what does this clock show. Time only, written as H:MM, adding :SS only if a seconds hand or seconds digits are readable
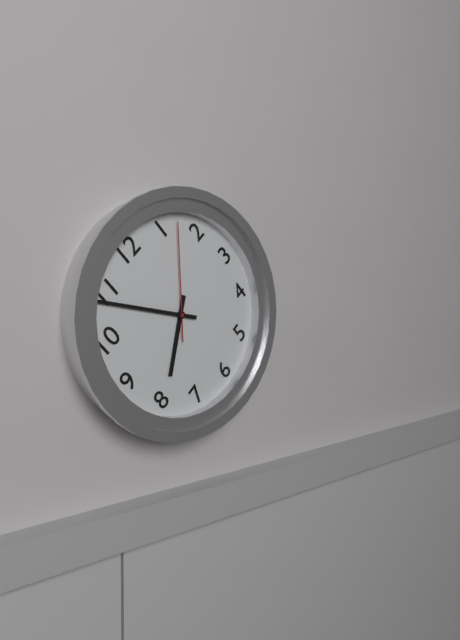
7:54:07
